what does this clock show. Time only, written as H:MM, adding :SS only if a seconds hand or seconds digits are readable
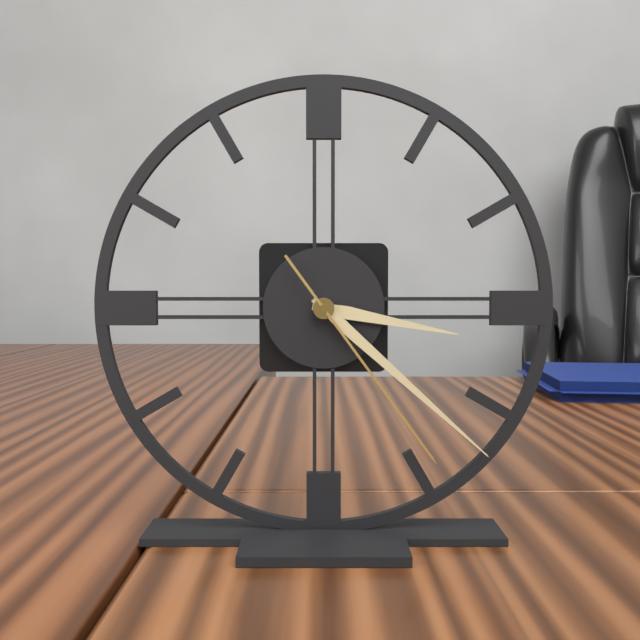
3:22:24
